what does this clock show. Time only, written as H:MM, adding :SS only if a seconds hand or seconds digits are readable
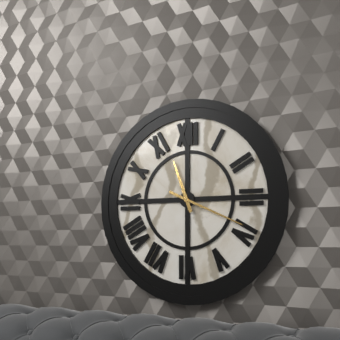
11:19
